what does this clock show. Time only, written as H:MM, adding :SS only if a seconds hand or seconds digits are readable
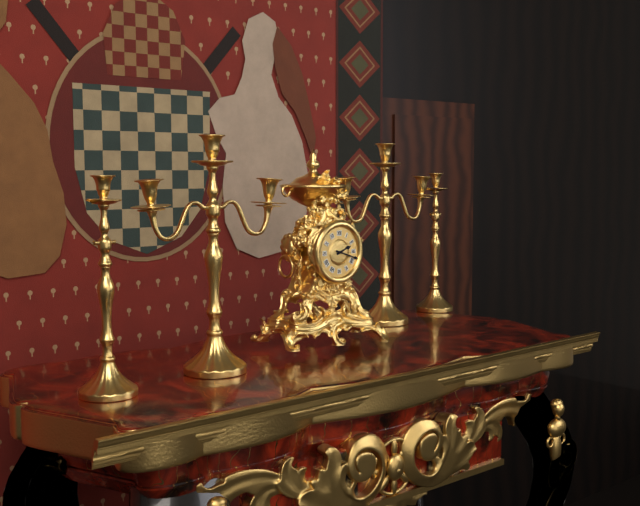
2:18
